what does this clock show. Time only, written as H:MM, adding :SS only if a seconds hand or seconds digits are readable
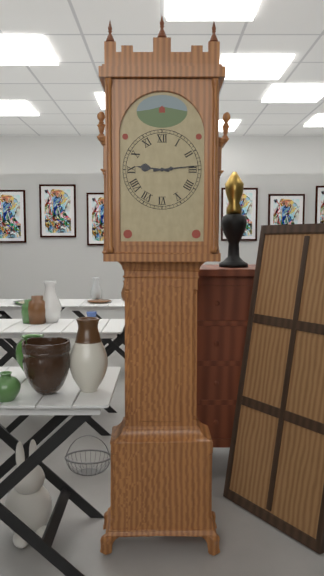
9:14
